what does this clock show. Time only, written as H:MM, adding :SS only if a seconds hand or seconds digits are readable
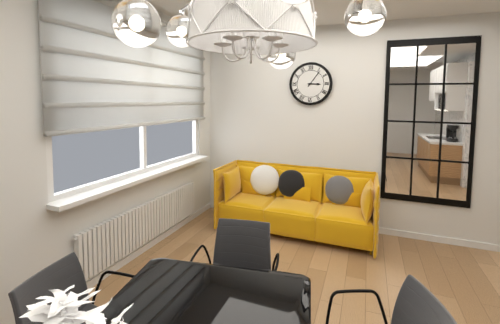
3:06
